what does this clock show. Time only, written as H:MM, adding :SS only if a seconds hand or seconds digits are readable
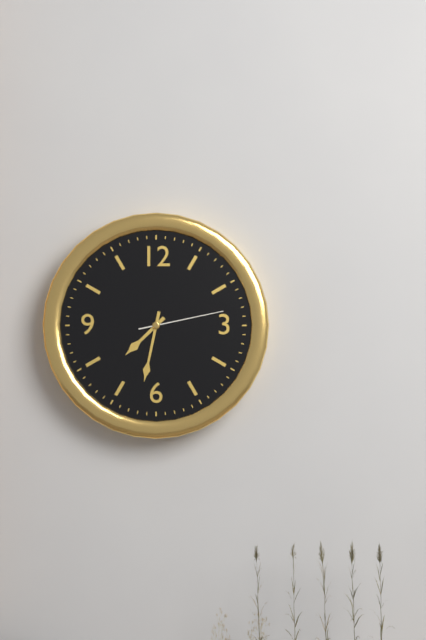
7:32:13
